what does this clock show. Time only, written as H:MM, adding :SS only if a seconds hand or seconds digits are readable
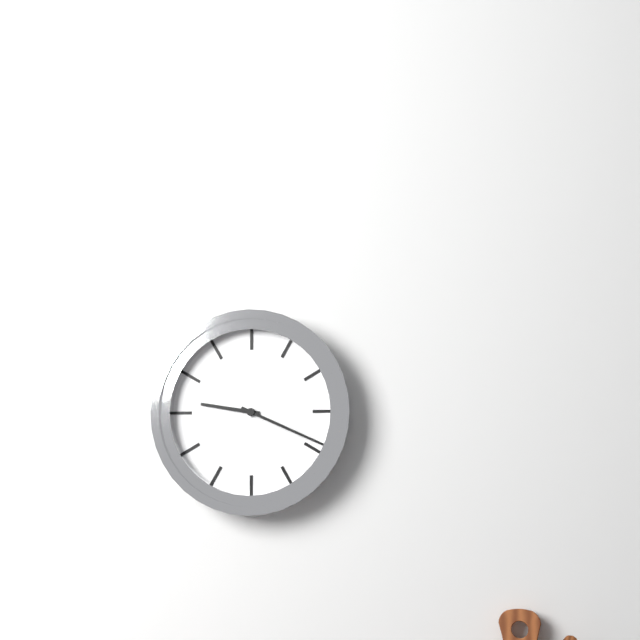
9:19
